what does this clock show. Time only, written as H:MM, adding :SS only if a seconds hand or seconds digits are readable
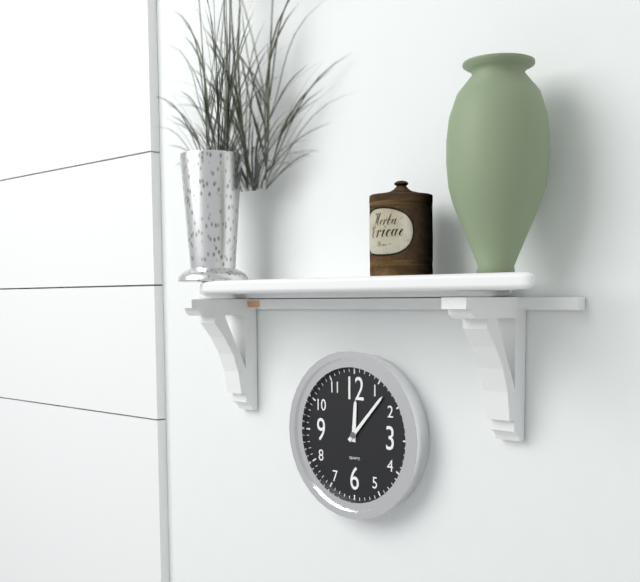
12:07
